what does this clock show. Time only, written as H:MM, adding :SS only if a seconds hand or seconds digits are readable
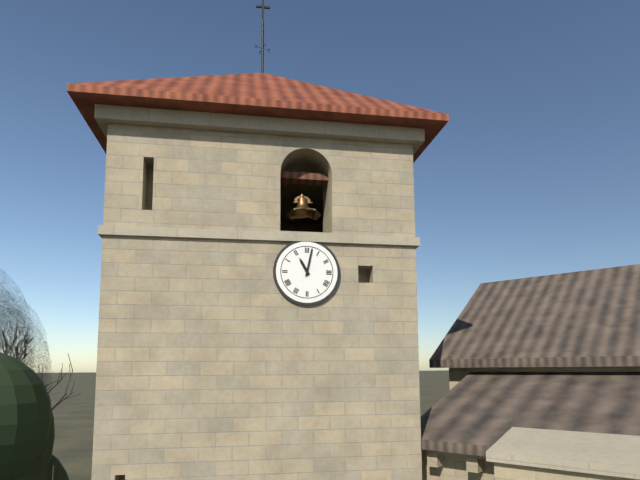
11:02
